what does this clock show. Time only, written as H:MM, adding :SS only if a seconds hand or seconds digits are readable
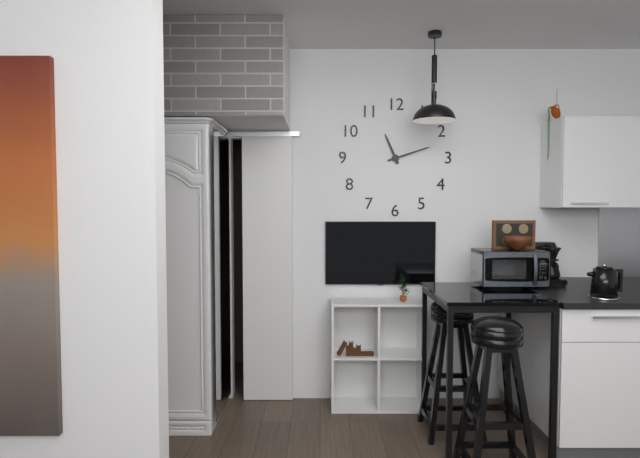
11:12
